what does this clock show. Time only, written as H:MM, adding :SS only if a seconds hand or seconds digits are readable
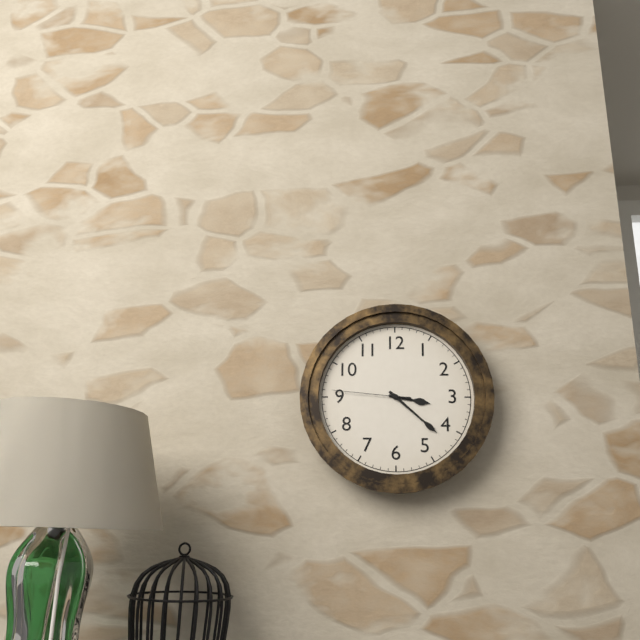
3:22:46
